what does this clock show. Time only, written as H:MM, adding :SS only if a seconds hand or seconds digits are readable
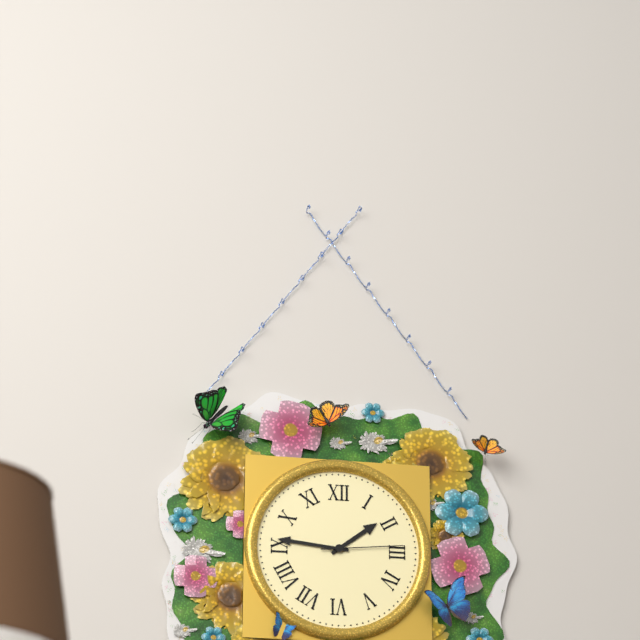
1:46:14
